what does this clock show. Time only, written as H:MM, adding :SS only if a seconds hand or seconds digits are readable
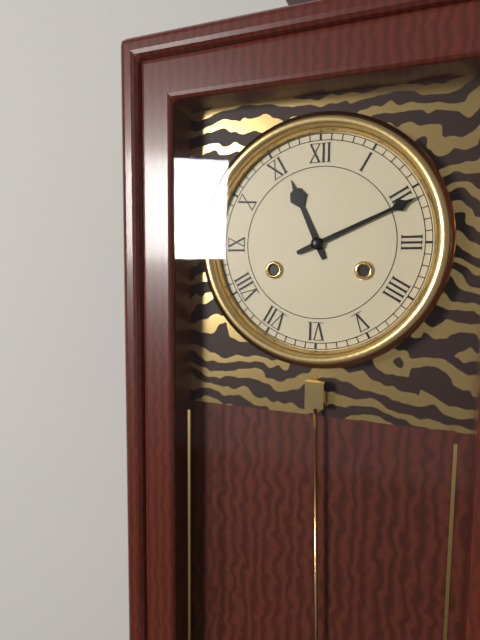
11:11
